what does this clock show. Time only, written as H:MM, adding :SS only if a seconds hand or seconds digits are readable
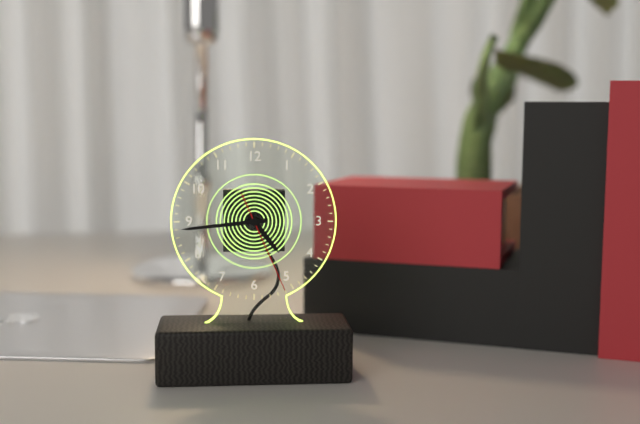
4:44:26
